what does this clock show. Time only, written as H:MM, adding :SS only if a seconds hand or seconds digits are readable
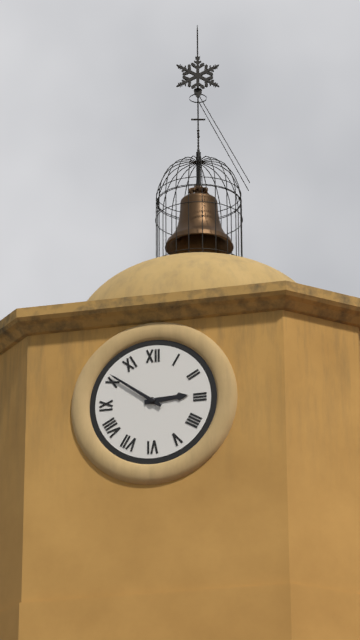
2:51
